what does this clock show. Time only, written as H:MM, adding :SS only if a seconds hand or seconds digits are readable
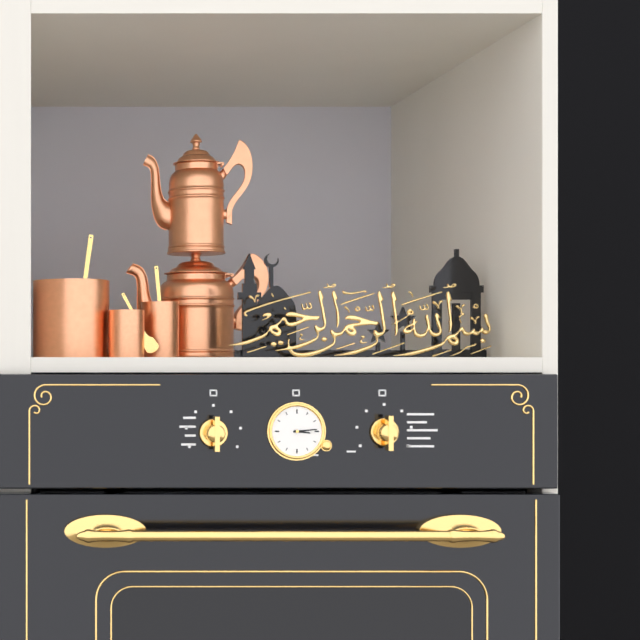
3:14
